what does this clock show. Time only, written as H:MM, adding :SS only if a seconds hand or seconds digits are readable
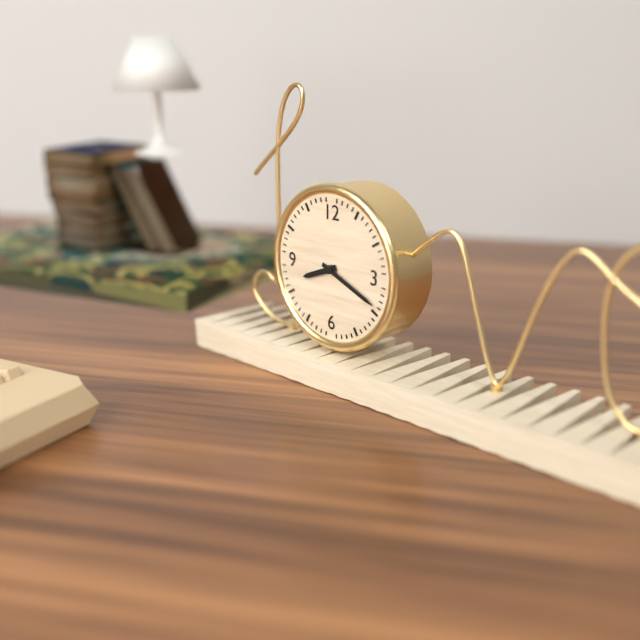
8:19
